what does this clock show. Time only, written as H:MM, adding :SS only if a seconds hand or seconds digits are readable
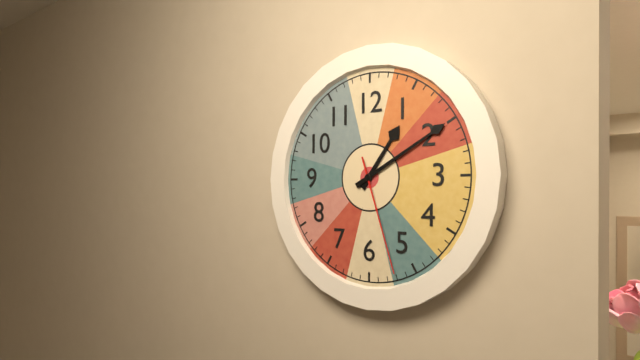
1:10:27
